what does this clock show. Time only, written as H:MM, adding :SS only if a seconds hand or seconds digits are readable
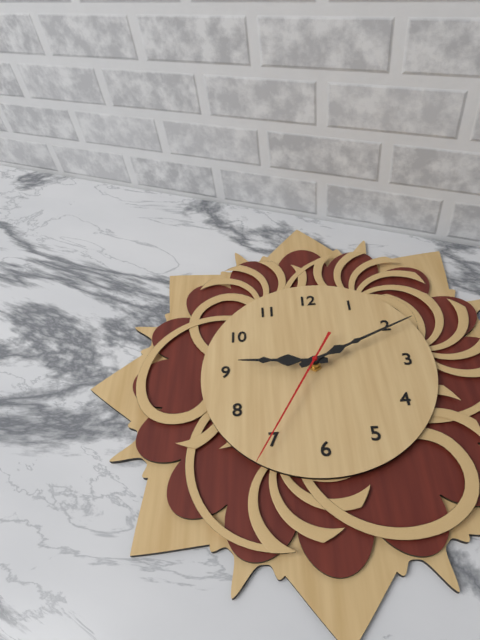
9:11:35
